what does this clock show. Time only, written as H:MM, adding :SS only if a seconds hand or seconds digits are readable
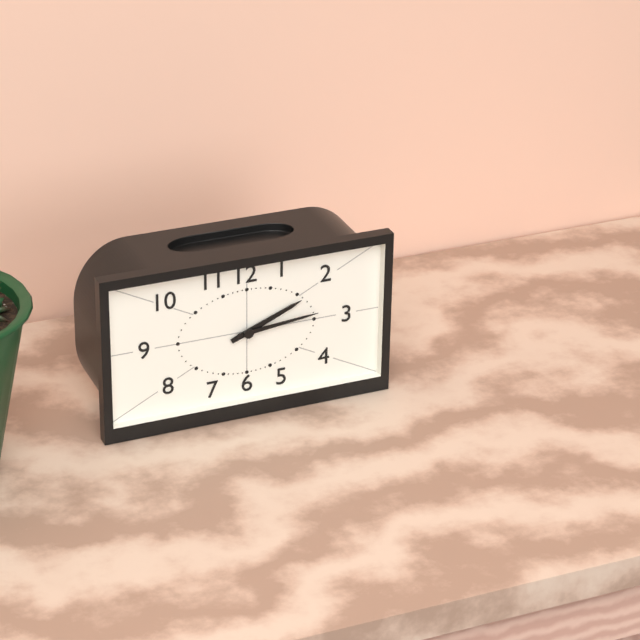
2:14
